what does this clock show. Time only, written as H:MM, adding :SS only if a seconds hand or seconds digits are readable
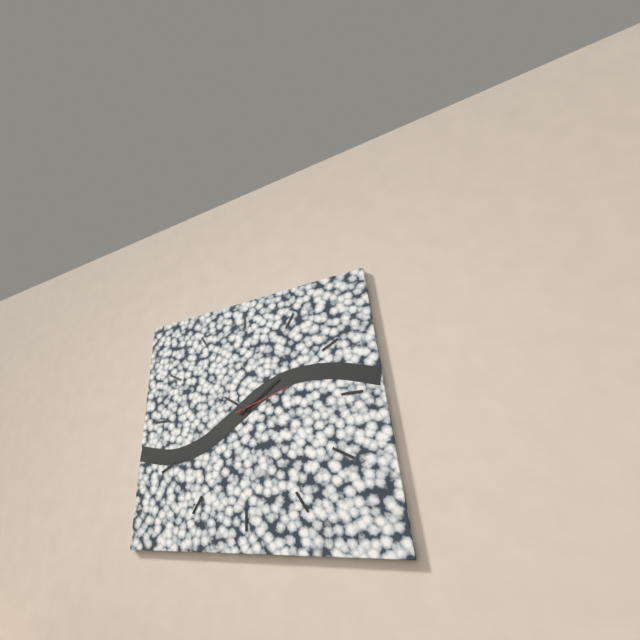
10:09:12
